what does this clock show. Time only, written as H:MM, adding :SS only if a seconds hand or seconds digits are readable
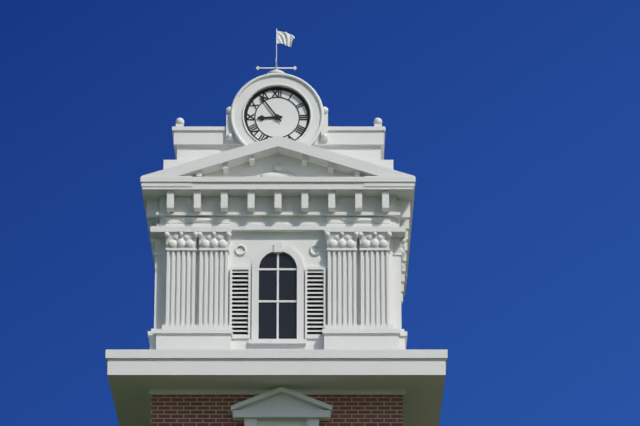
8:54
